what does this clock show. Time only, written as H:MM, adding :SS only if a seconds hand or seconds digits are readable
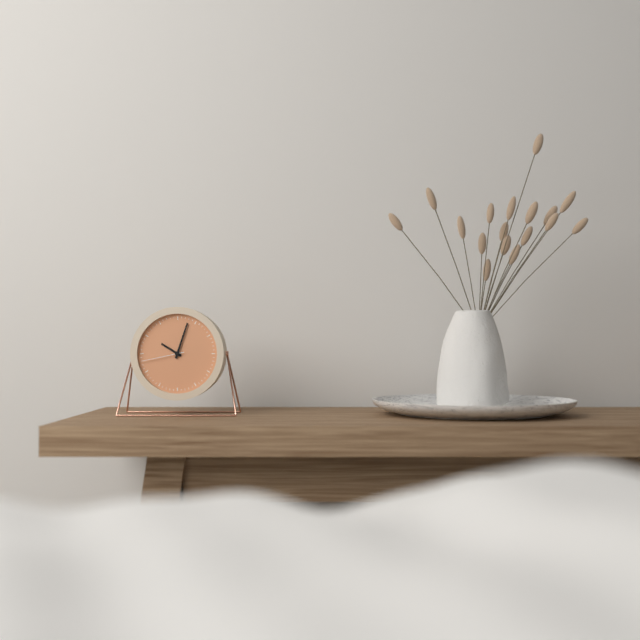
10:03
